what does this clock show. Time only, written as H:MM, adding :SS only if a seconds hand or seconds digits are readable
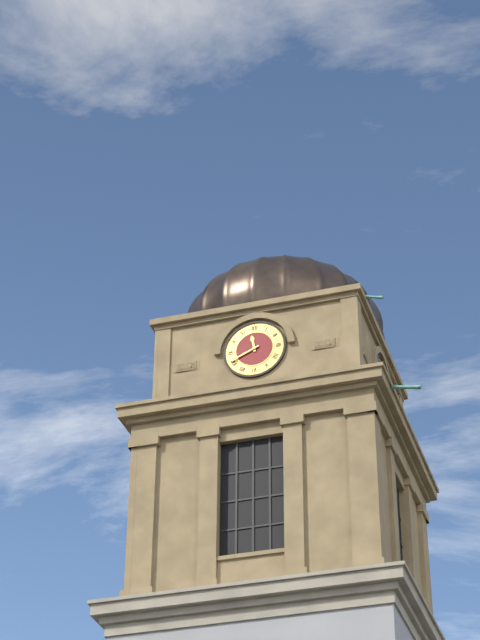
11:41
